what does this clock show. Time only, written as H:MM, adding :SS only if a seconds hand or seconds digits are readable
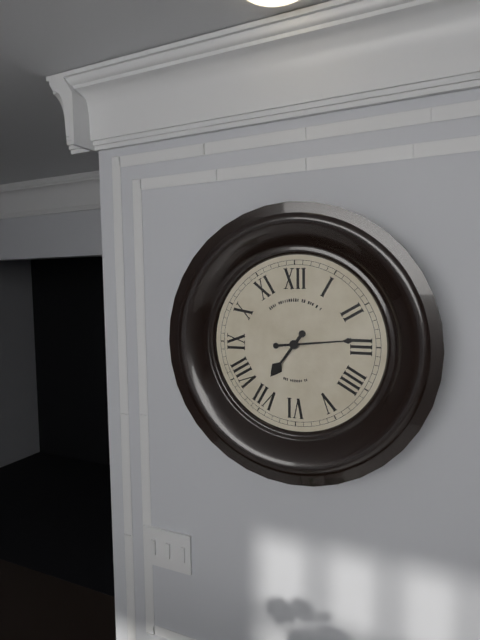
7:14
